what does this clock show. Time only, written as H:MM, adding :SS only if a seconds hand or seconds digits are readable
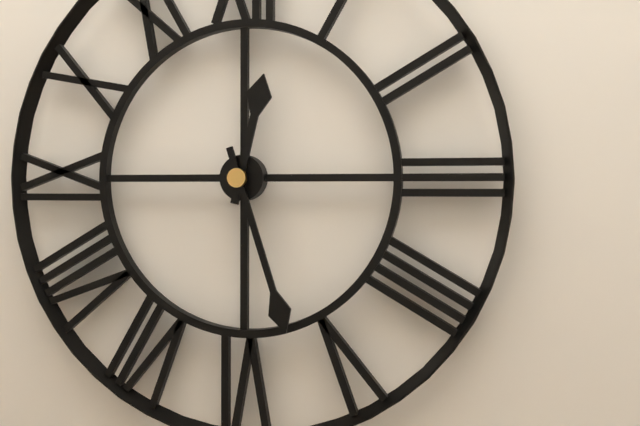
12:27
